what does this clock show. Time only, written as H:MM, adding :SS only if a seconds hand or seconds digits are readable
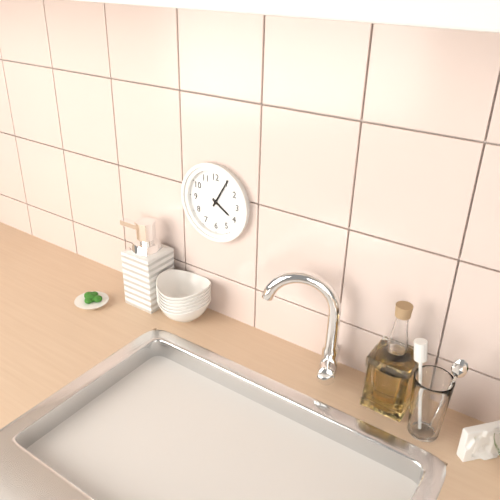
4:05
